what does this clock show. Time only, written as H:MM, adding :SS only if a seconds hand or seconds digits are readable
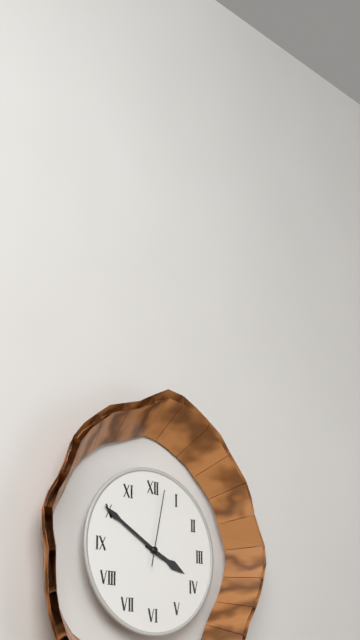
3:50:02
